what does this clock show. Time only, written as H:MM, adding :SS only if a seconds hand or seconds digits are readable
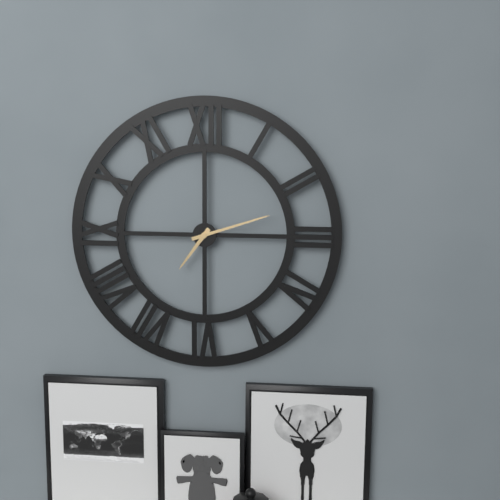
7:12
